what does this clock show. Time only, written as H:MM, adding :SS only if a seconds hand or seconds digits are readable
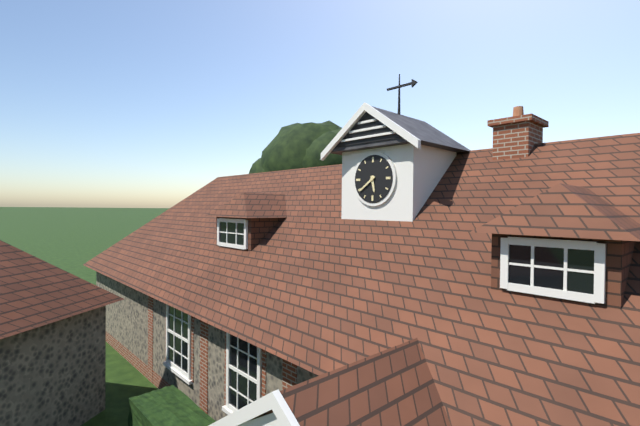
5:39
